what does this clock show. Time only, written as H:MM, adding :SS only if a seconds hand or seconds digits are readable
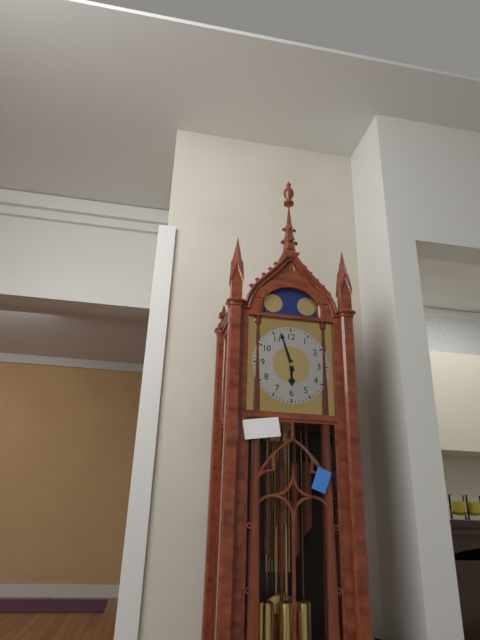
5:57
